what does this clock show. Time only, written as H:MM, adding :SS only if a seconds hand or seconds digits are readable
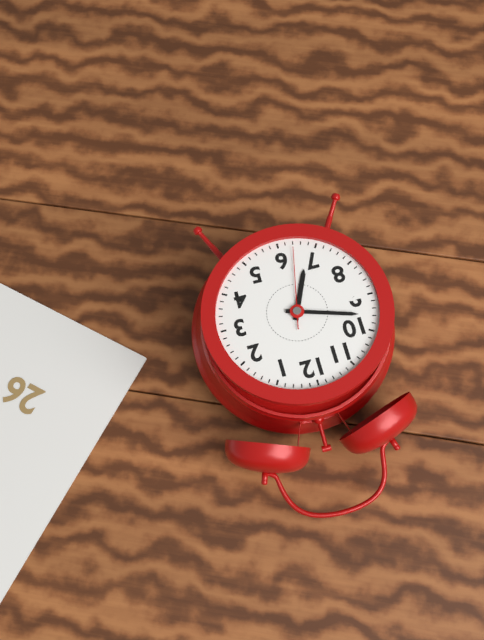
6:48:32
